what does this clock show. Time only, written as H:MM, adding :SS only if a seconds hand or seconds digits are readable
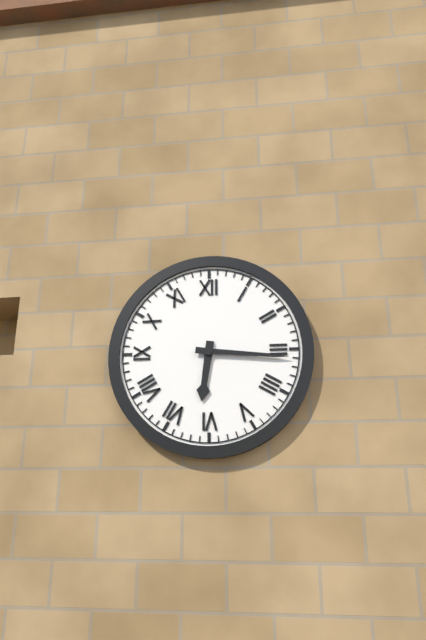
6:16
